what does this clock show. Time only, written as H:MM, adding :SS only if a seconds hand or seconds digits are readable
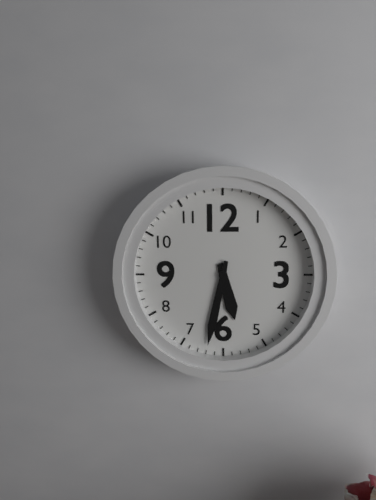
5:32
